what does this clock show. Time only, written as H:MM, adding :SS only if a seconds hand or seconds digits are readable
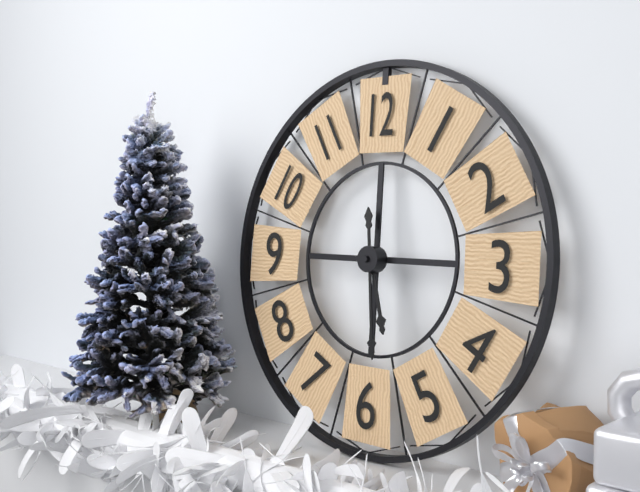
5:29
